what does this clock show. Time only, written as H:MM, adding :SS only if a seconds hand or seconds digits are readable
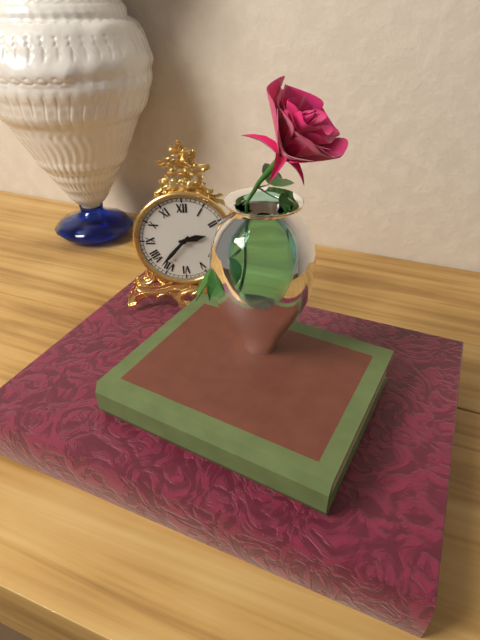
2:37
